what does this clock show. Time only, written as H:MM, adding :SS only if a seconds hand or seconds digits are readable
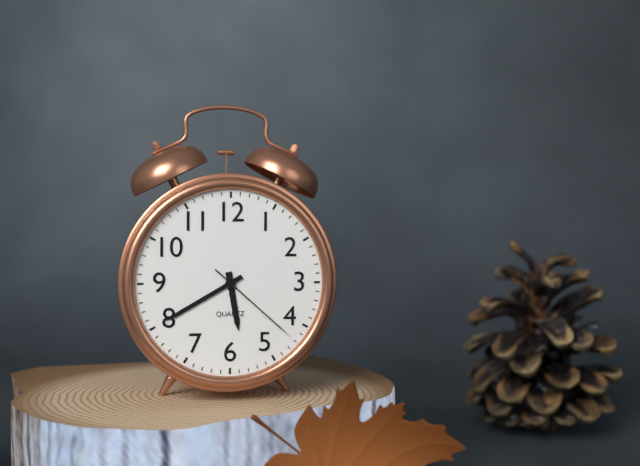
5:40:22
